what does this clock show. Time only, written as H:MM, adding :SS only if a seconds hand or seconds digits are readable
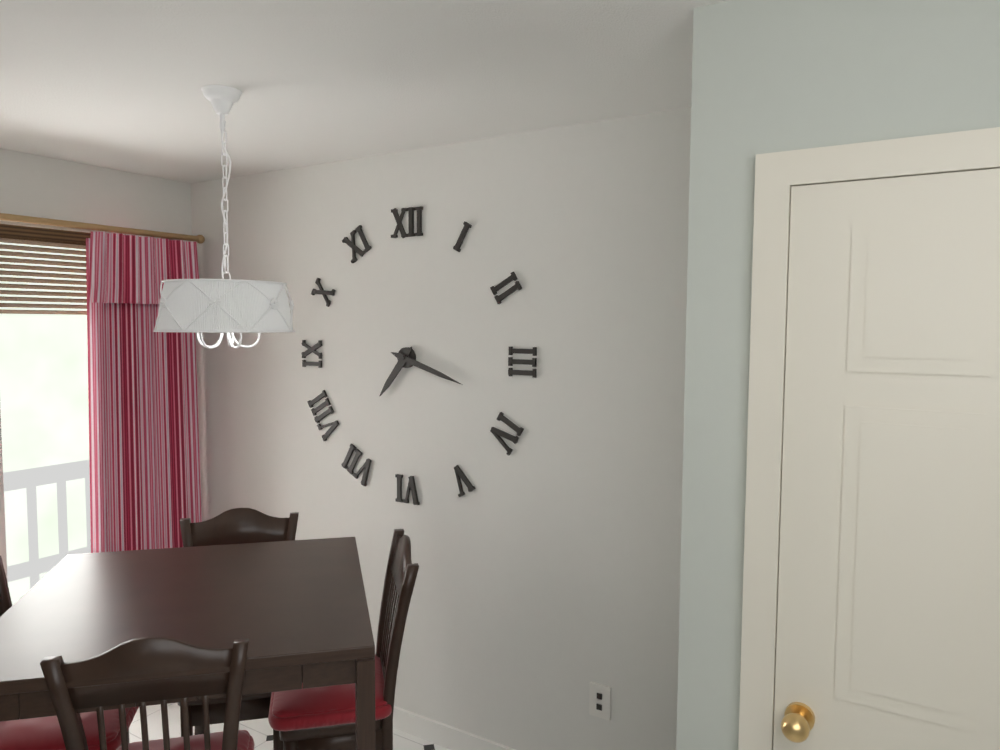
7:18
